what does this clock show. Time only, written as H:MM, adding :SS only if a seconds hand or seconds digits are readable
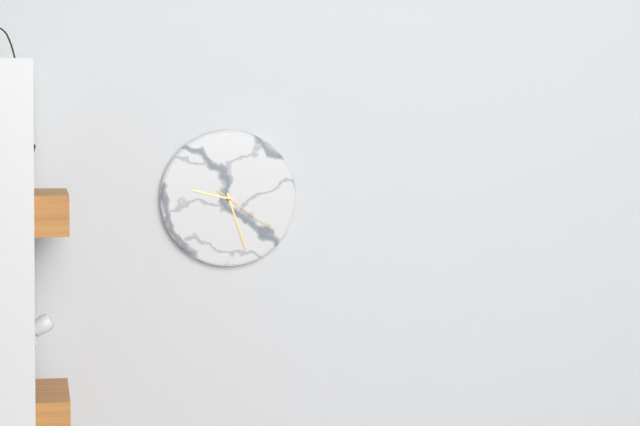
9:27:21
